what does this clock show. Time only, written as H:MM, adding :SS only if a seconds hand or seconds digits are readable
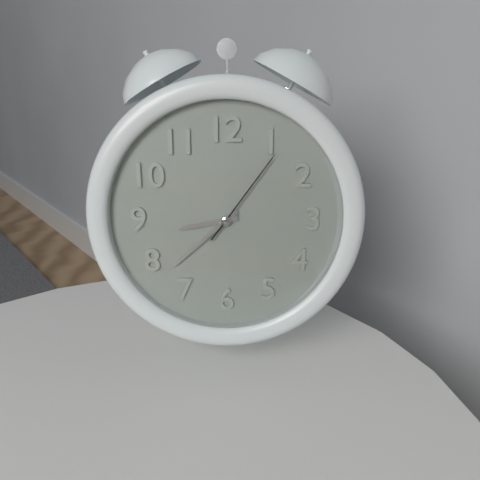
8:38:06
